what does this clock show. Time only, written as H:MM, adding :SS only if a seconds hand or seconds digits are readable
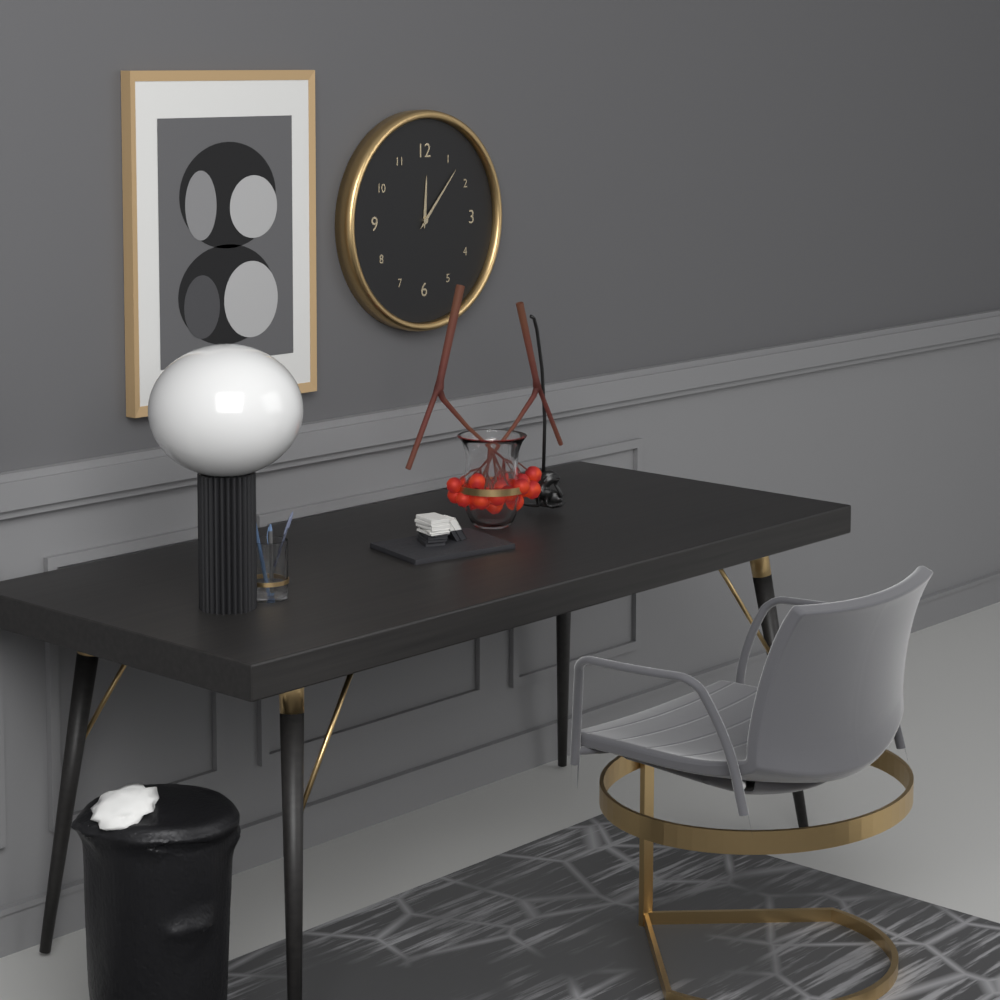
12:07
